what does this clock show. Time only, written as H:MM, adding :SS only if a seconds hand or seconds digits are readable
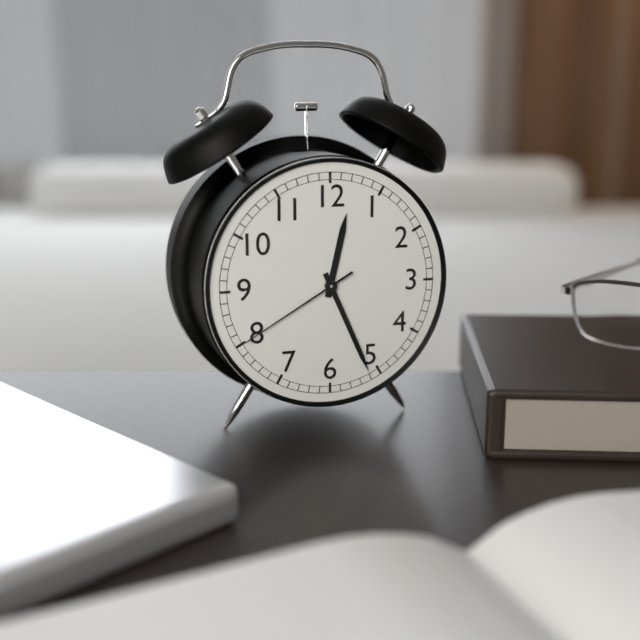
12:26:40
